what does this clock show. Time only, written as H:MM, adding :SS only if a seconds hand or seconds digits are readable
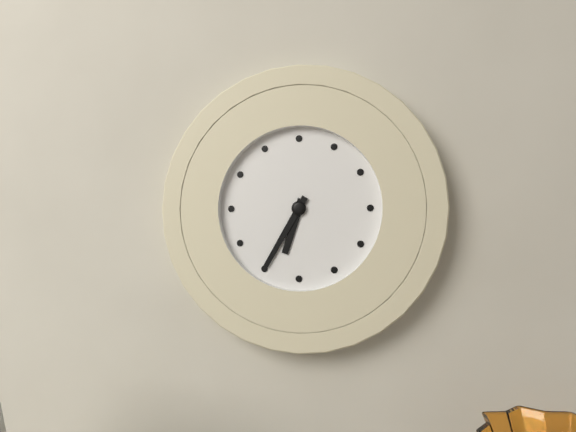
6:35
